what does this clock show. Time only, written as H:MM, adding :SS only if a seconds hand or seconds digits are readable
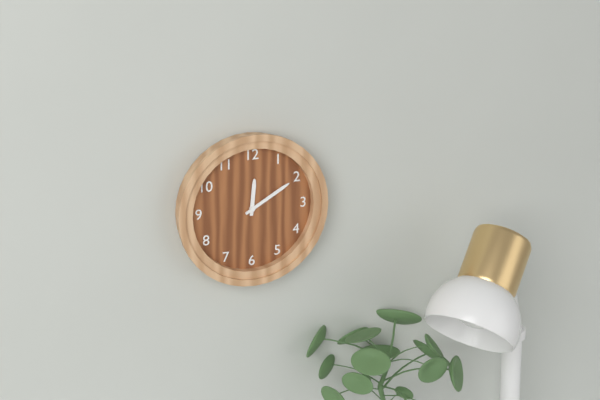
12:10
